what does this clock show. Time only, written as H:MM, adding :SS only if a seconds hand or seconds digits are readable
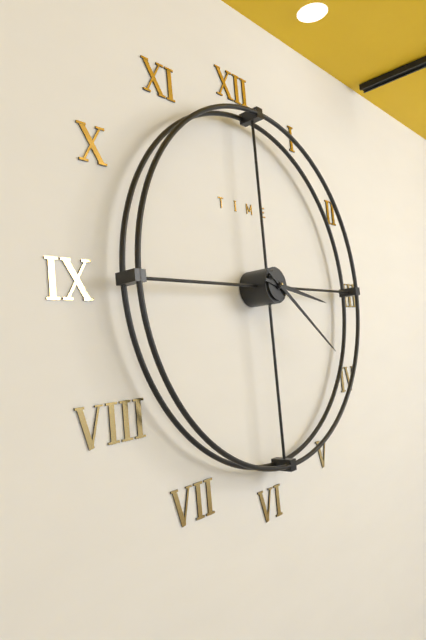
3:21
